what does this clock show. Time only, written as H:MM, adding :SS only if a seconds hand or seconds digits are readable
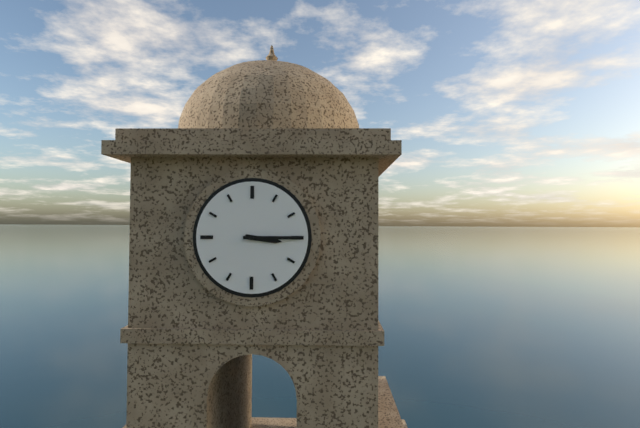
3:15
